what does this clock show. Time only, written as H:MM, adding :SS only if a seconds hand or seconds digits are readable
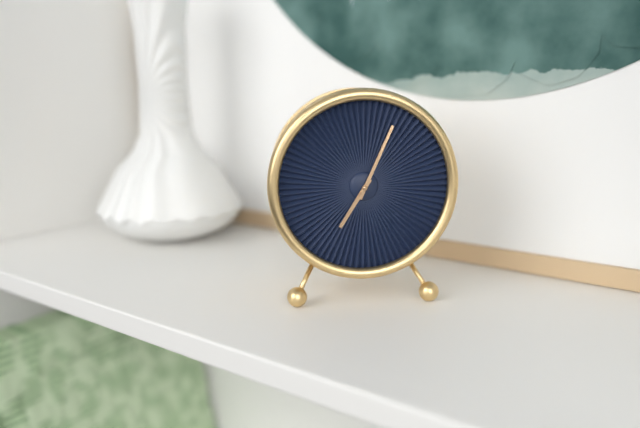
7:04
